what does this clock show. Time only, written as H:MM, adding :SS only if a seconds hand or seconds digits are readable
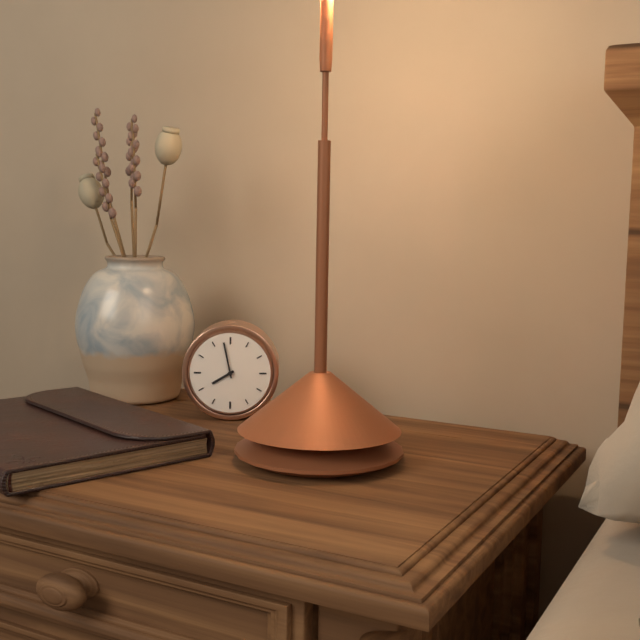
7:58
